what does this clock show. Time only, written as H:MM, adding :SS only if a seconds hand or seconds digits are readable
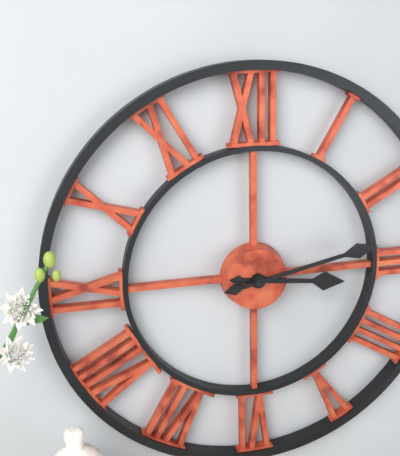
3:13
